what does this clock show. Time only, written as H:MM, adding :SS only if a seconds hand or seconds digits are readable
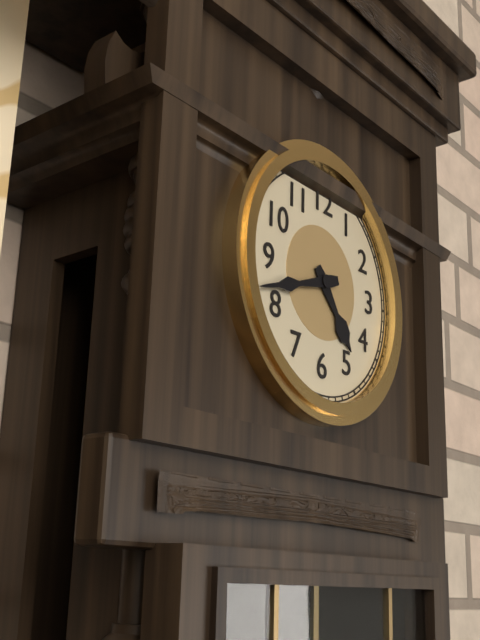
4:42
